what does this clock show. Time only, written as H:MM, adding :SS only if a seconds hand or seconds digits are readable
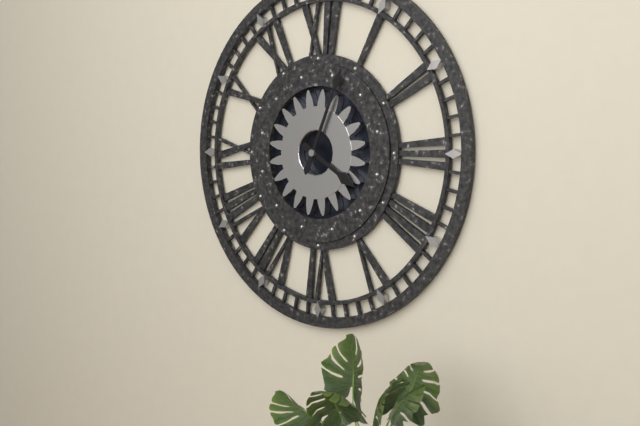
4:04
